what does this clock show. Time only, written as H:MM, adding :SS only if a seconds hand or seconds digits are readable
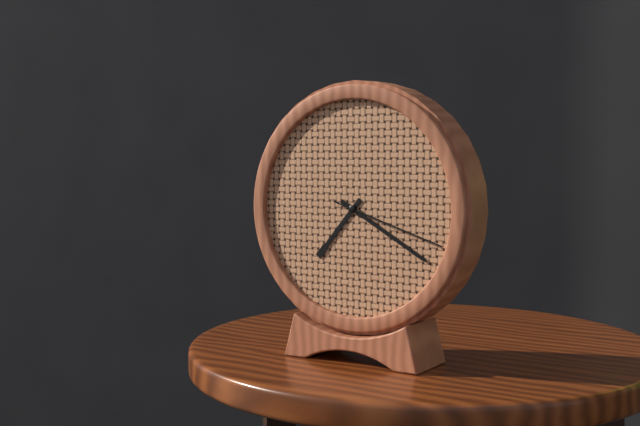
7:20:18
